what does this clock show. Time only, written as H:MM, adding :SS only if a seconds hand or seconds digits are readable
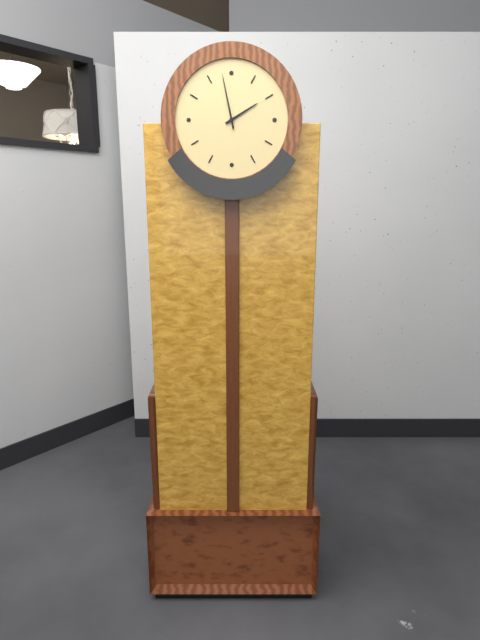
1:58
